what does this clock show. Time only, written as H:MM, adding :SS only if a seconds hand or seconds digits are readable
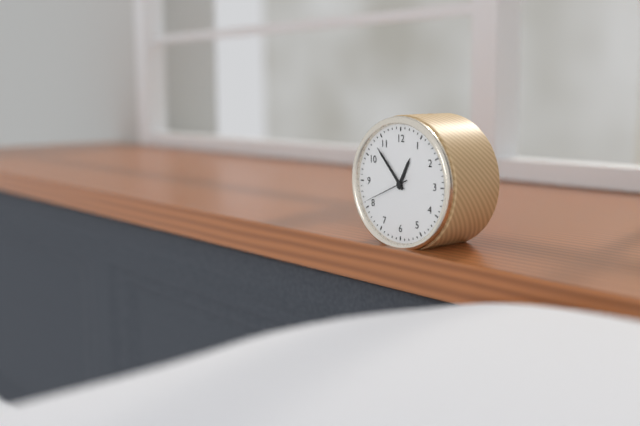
12:53
